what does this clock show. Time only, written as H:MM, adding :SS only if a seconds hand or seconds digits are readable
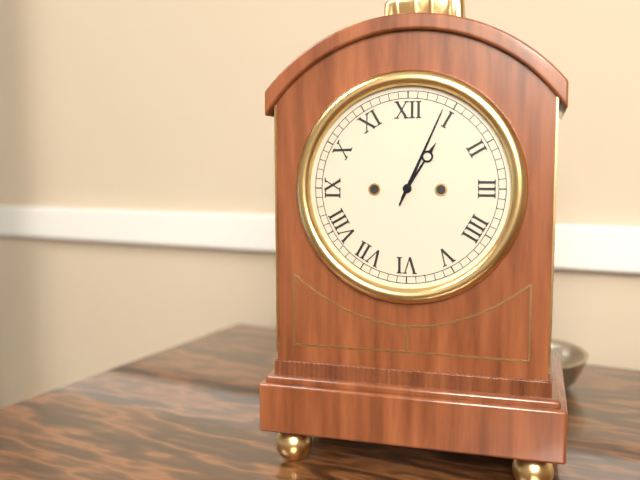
1:04
